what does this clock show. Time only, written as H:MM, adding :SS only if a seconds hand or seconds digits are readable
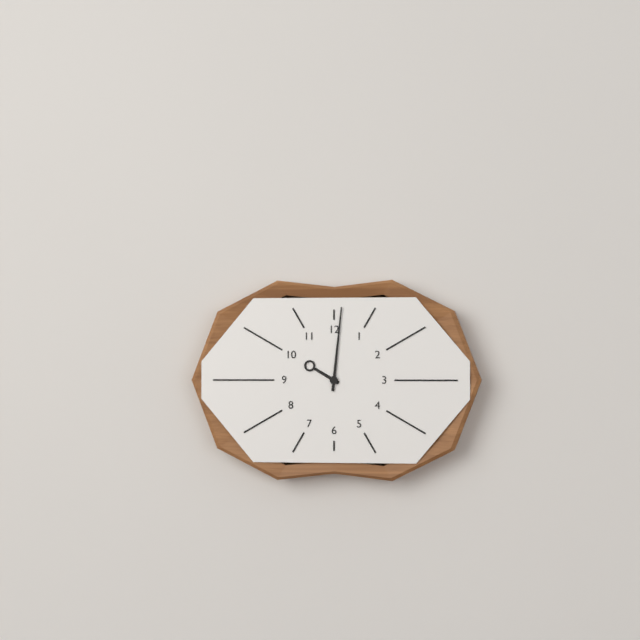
10:01
